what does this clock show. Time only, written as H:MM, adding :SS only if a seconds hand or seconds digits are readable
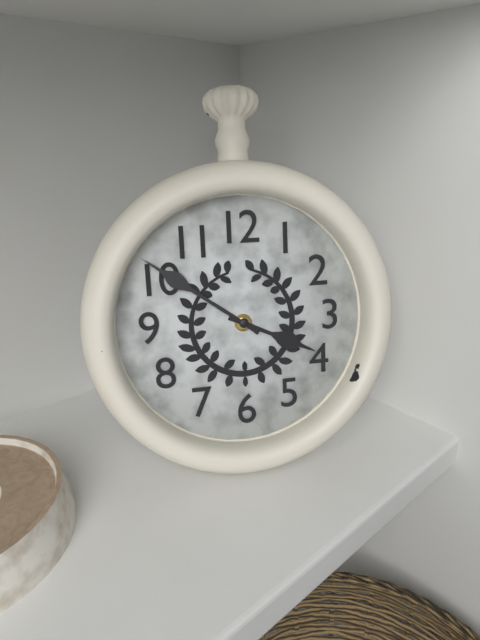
3:51
